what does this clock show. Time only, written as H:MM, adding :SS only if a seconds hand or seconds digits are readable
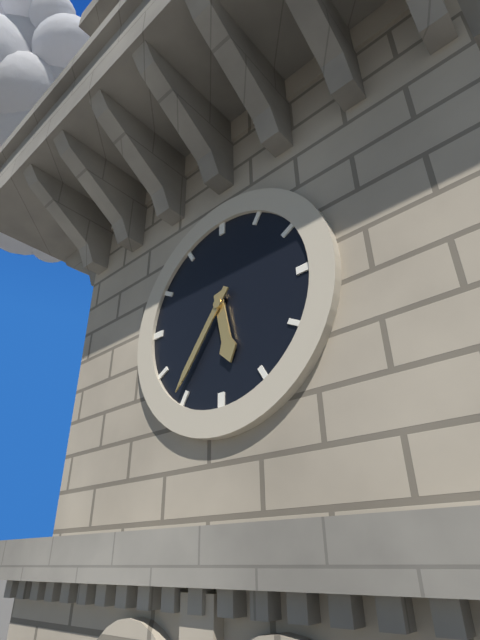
5:36
